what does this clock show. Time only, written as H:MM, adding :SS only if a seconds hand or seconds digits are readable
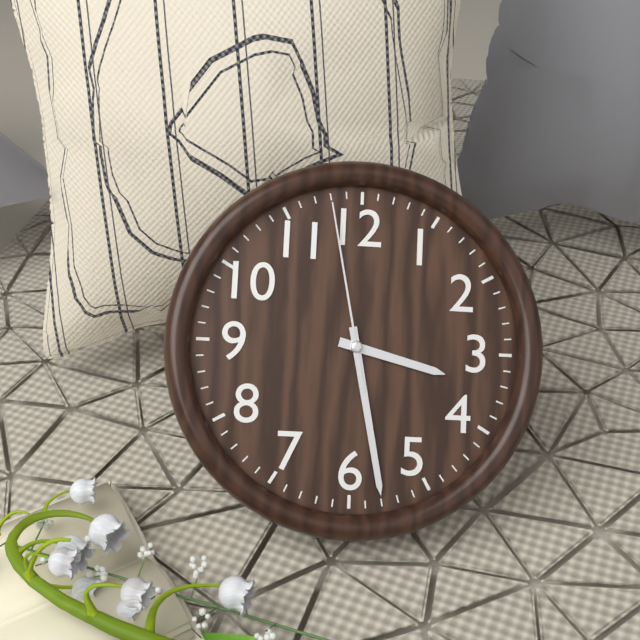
3:28:58
